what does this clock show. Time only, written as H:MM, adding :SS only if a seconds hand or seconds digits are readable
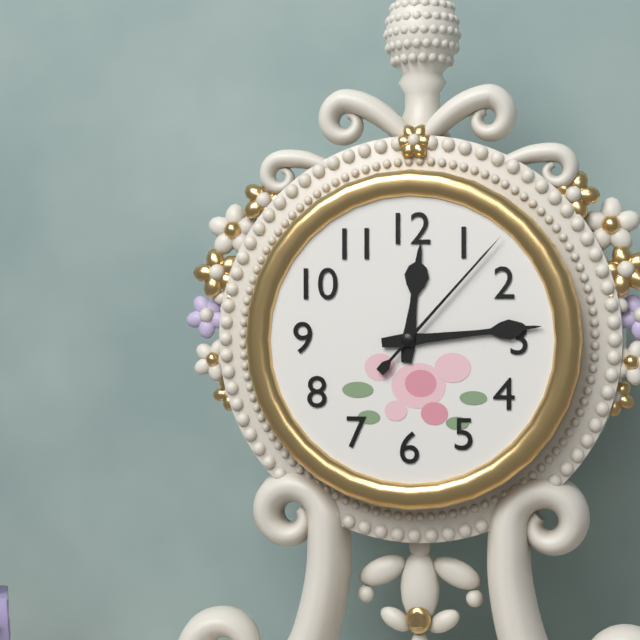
12:14:07
